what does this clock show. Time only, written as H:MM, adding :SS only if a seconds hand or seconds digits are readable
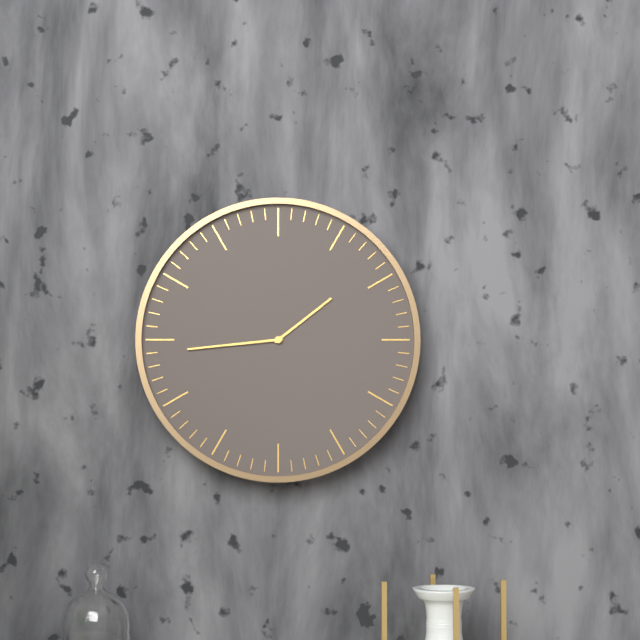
1:44
